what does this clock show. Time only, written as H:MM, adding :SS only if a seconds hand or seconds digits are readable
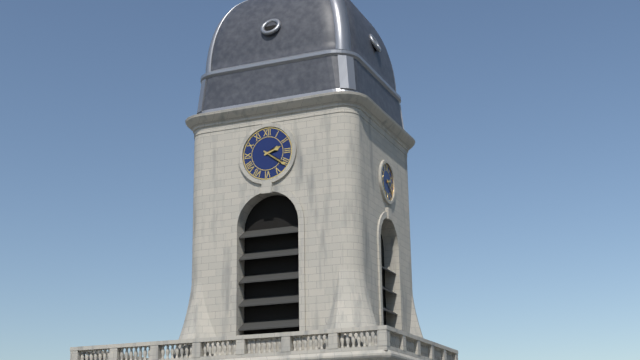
2:21
